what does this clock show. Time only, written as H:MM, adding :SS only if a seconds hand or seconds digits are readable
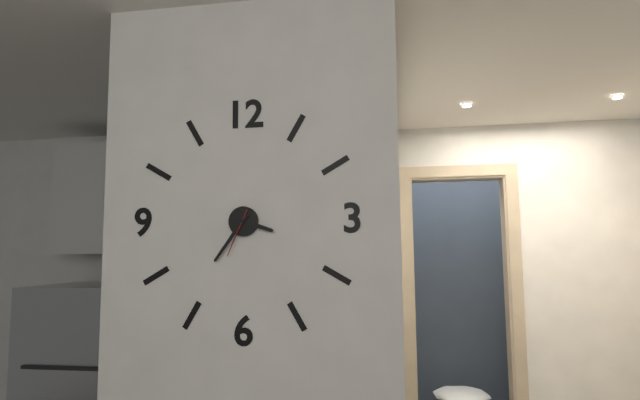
3:36
